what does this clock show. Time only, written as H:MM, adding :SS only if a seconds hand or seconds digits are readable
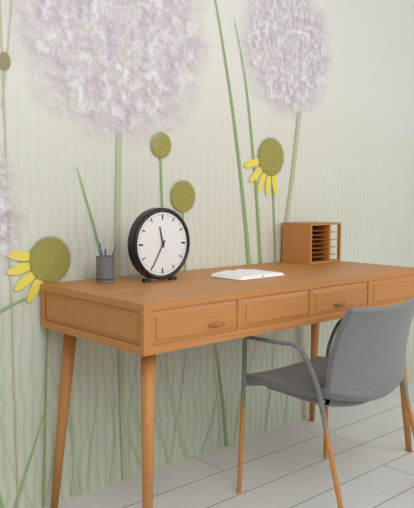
11:35
